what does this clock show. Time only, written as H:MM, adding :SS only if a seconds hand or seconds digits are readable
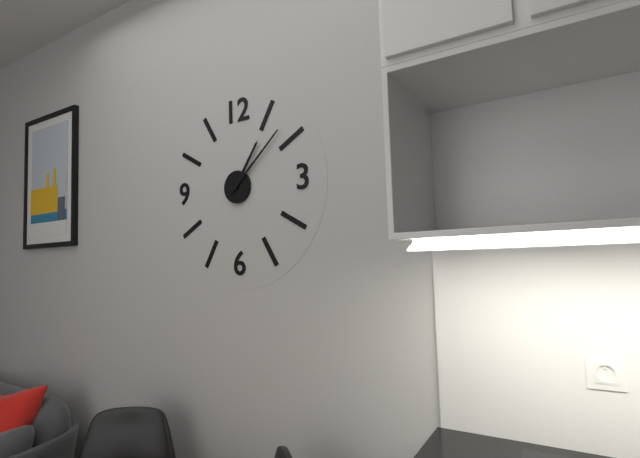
1:08
